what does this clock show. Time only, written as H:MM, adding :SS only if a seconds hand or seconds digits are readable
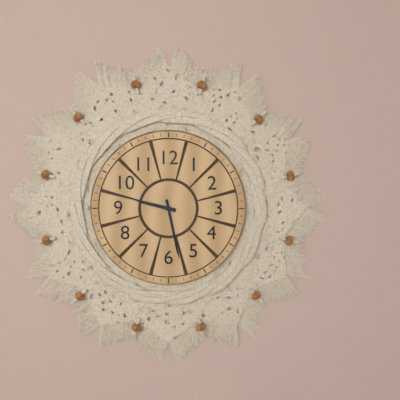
9:28
